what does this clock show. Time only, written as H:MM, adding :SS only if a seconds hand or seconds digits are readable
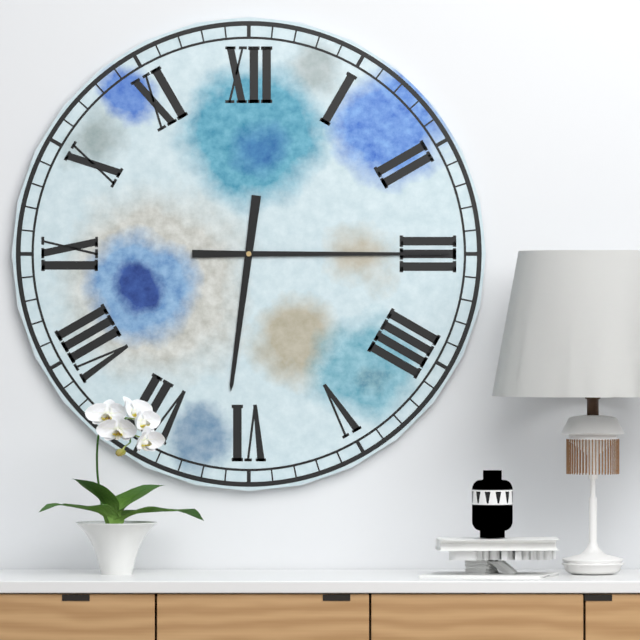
6:15
